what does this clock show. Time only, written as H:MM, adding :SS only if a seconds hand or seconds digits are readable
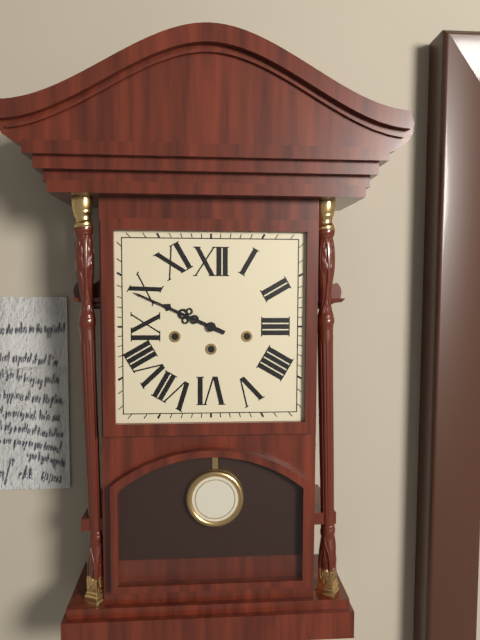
9:49
